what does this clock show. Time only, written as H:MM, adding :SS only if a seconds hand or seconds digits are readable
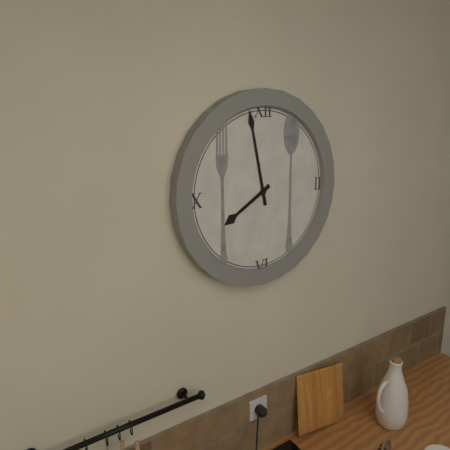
7:58
